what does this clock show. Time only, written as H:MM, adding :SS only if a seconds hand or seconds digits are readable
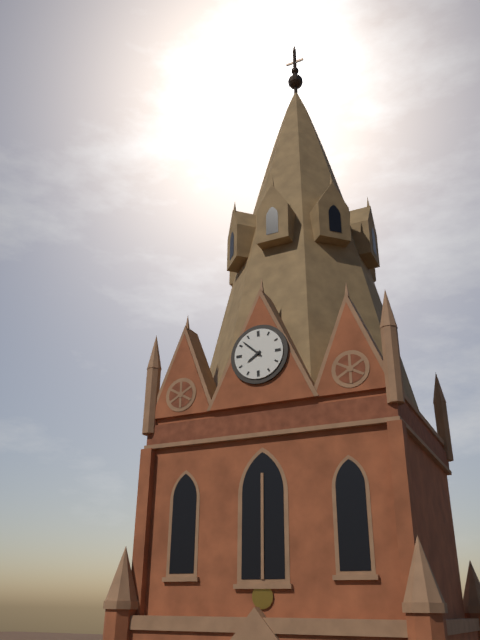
7:52
